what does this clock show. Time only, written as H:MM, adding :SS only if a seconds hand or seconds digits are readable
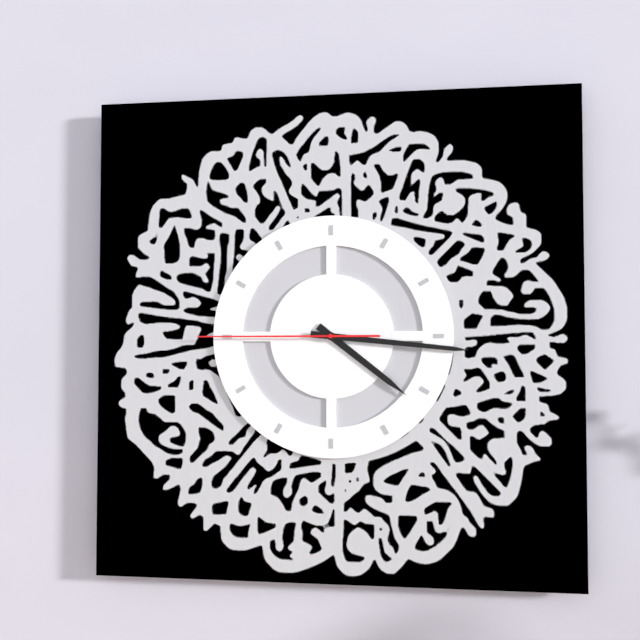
4:16:45
